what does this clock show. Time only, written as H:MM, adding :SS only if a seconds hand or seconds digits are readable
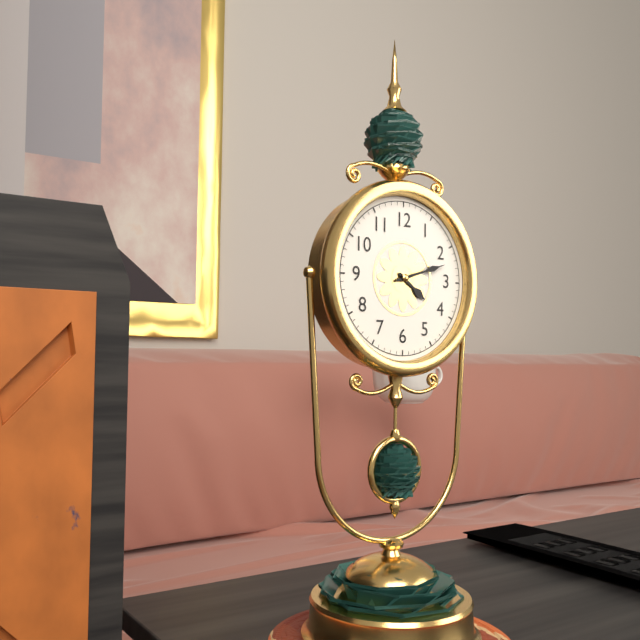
4:12
